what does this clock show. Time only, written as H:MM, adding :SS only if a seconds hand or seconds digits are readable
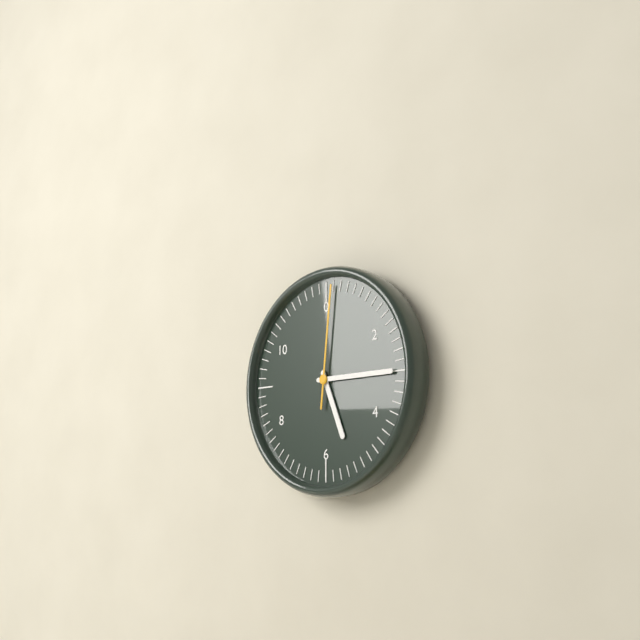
5:15:01
